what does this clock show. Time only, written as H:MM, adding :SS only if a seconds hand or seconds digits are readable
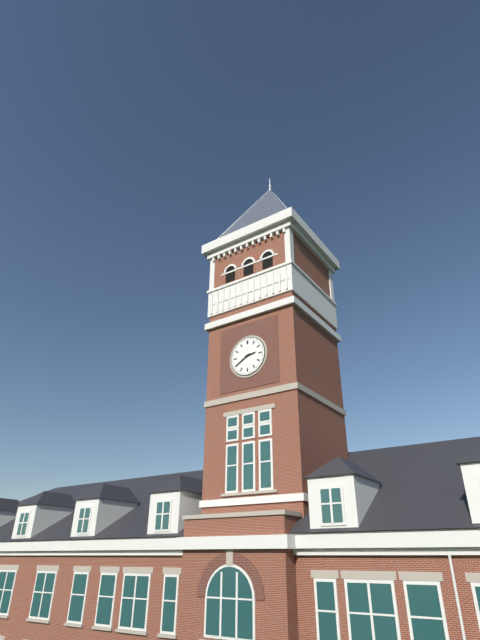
2:40
